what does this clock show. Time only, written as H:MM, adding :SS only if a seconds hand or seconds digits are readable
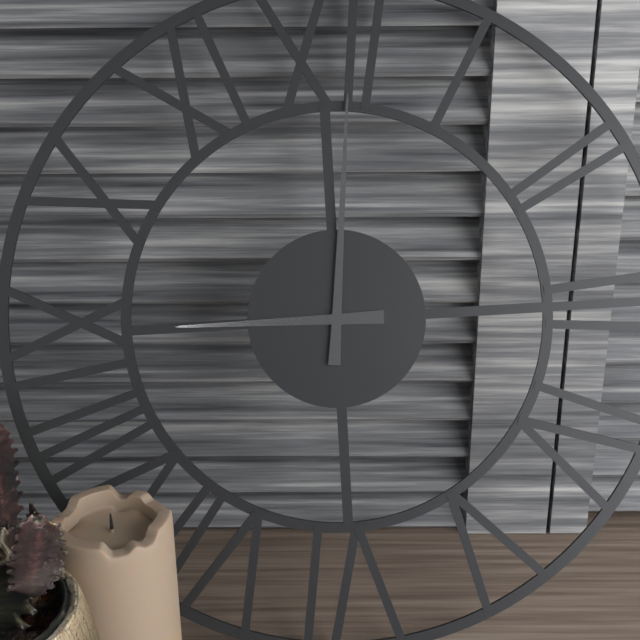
9:01
